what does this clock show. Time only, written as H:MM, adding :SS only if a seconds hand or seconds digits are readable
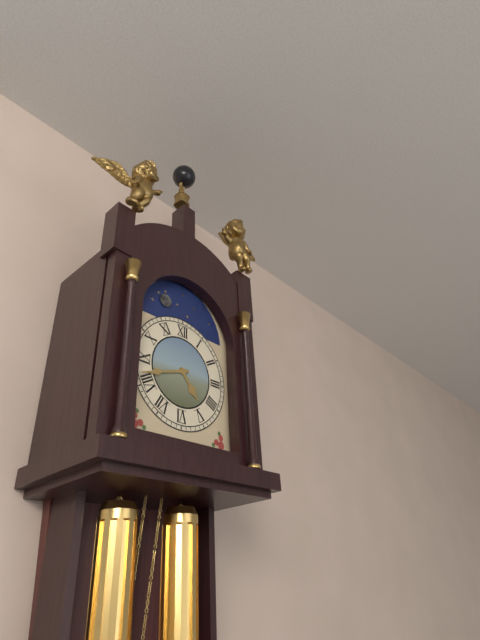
4:42
